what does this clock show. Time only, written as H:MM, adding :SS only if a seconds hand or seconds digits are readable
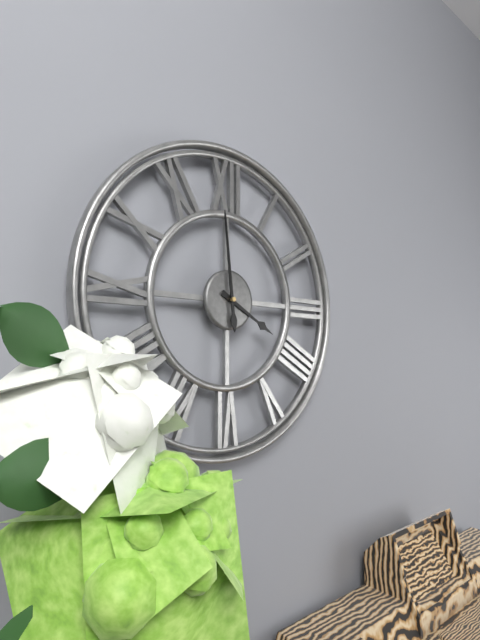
3:59
